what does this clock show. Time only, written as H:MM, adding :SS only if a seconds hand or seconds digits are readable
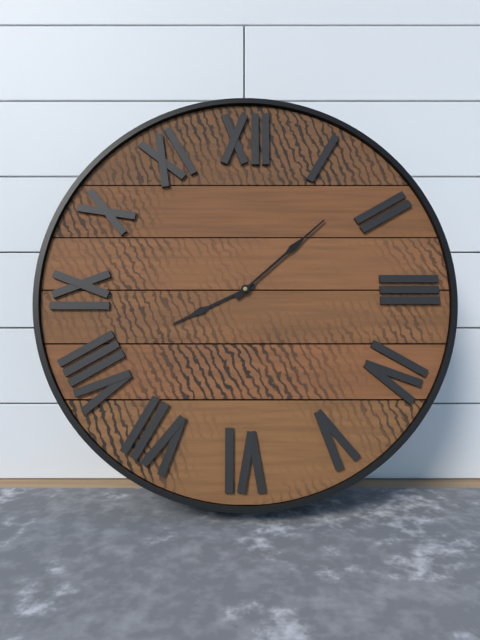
8:08
